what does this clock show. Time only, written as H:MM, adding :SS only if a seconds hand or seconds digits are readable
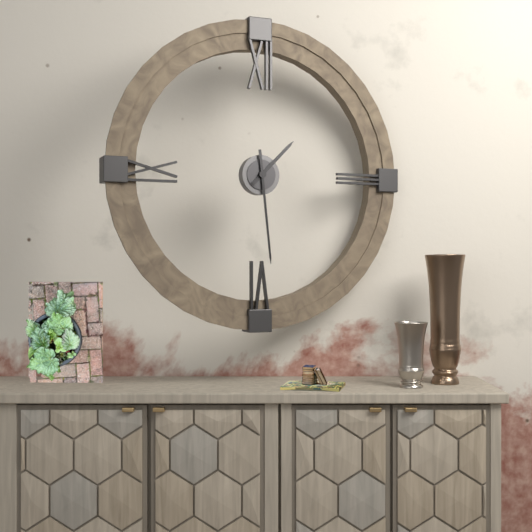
1:29
